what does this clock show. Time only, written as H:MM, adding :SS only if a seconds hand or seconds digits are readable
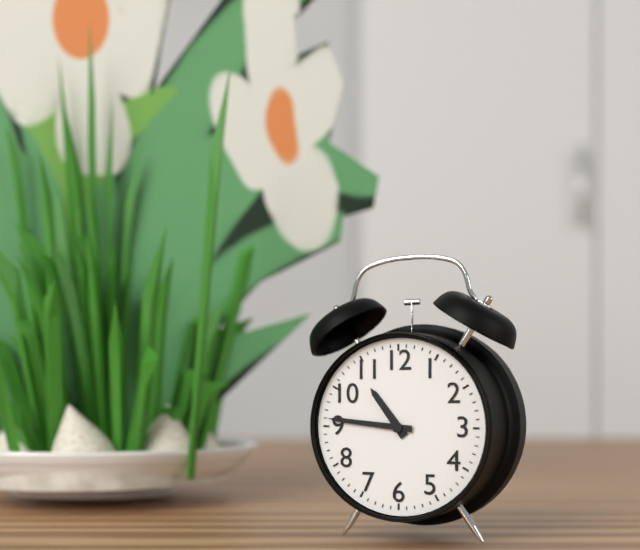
10:46
